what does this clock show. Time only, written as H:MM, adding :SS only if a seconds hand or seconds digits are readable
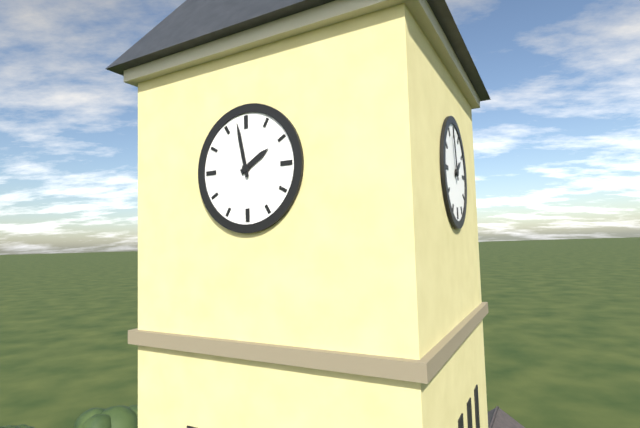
1:58
